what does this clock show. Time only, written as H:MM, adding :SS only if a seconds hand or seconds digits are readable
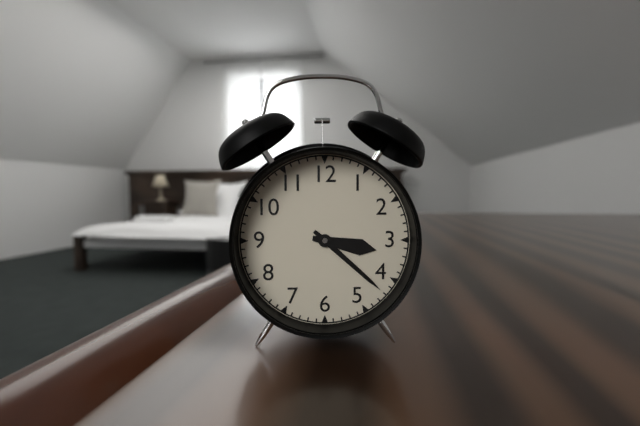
3:22
